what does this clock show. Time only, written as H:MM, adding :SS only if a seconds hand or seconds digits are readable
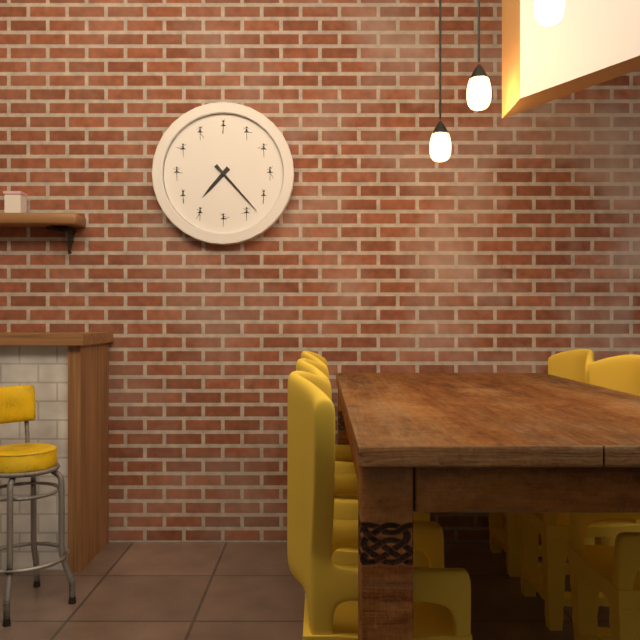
7:23
